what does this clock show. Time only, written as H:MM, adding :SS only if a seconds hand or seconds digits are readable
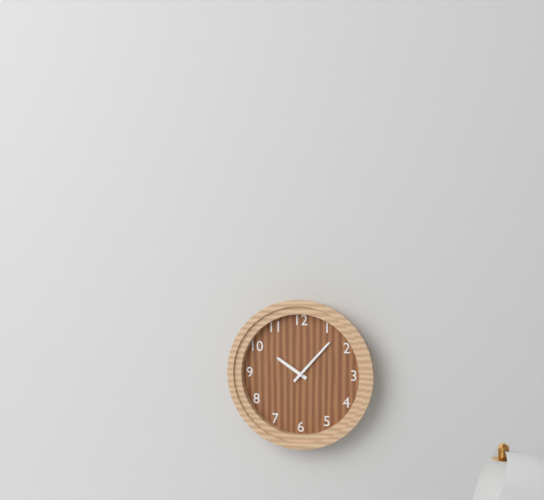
10:07
